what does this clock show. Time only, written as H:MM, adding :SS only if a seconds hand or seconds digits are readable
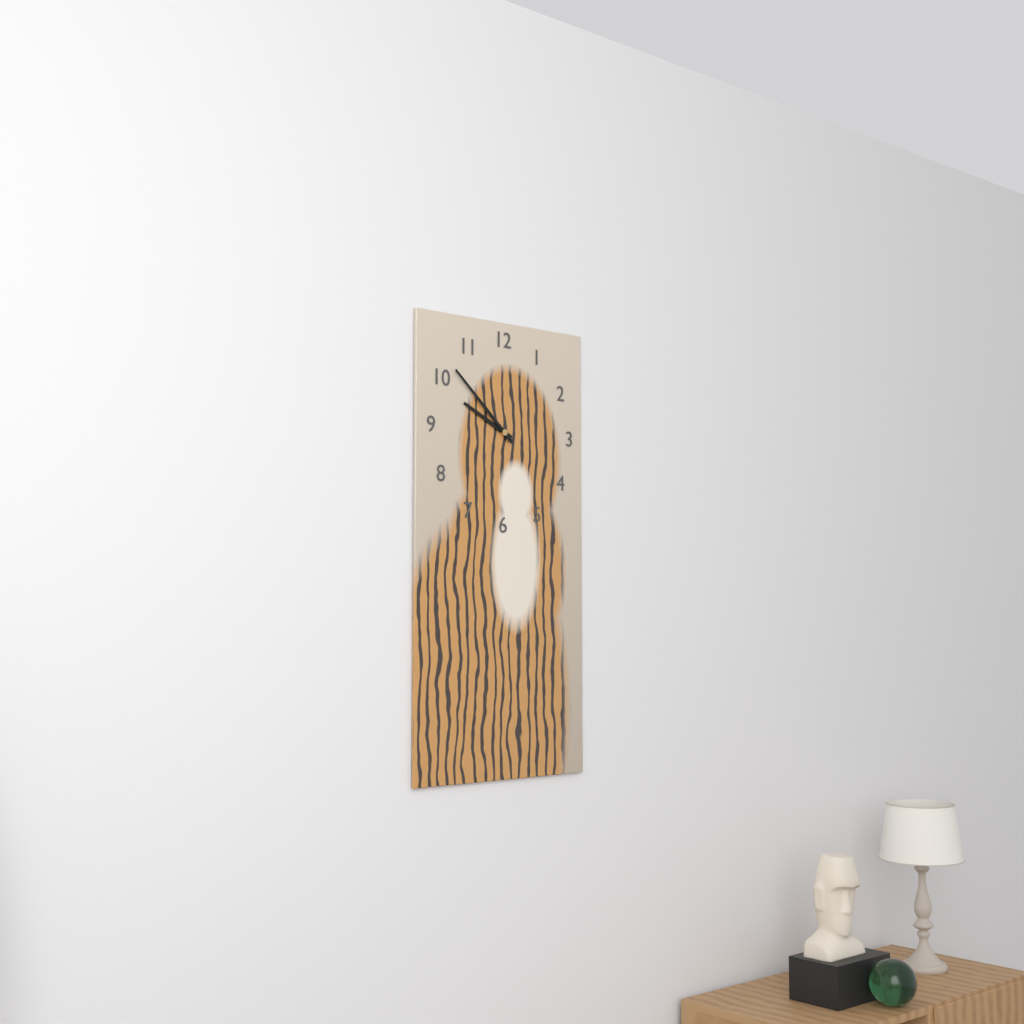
9:52
